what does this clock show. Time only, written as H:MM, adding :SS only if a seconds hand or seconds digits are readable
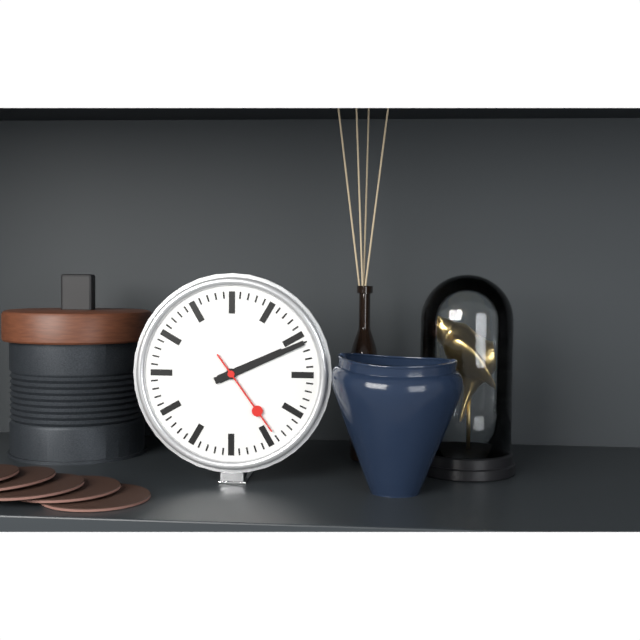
2:11:24
